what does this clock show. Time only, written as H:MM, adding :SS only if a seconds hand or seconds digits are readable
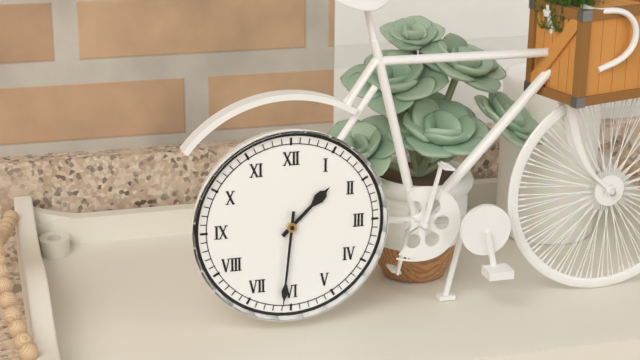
1:31
